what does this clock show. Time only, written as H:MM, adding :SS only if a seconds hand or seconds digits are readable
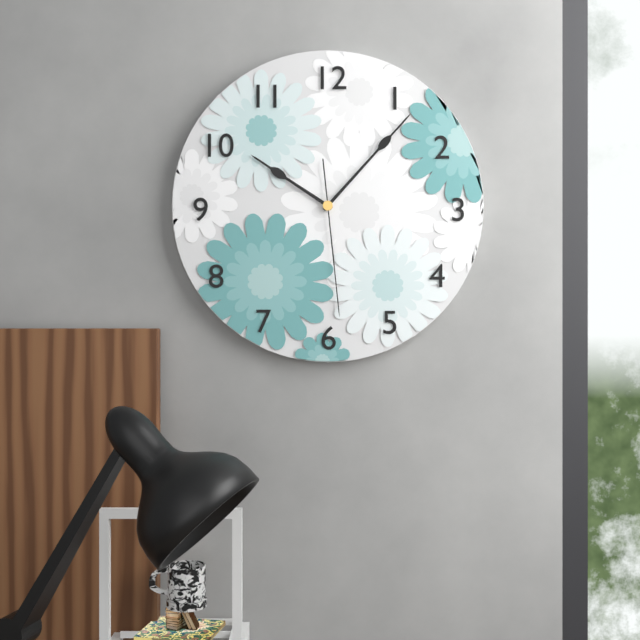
10:07:29
